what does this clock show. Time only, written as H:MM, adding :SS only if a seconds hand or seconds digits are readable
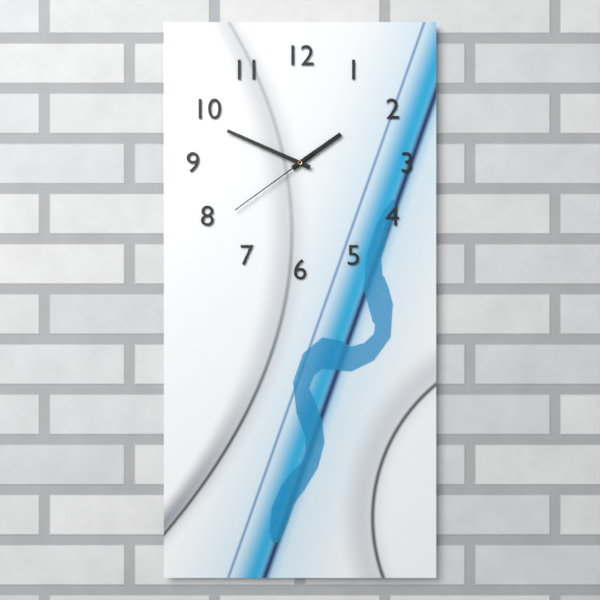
1:49:39
